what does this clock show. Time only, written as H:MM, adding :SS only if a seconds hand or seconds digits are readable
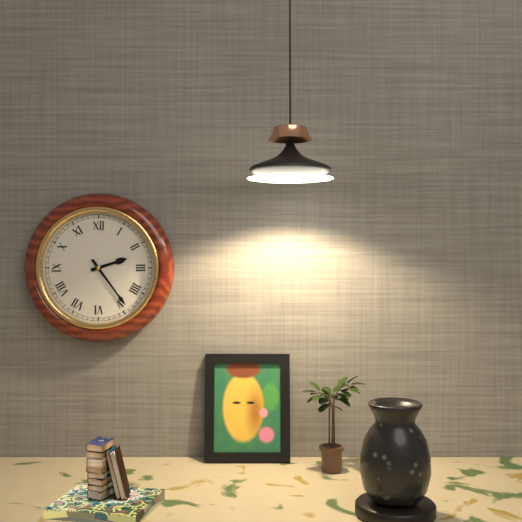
2:24
